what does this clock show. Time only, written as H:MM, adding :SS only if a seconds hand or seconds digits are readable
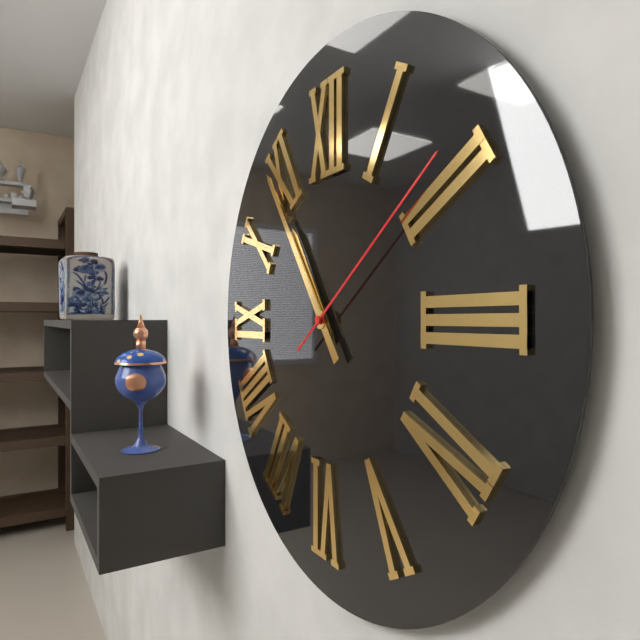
10:54:09
